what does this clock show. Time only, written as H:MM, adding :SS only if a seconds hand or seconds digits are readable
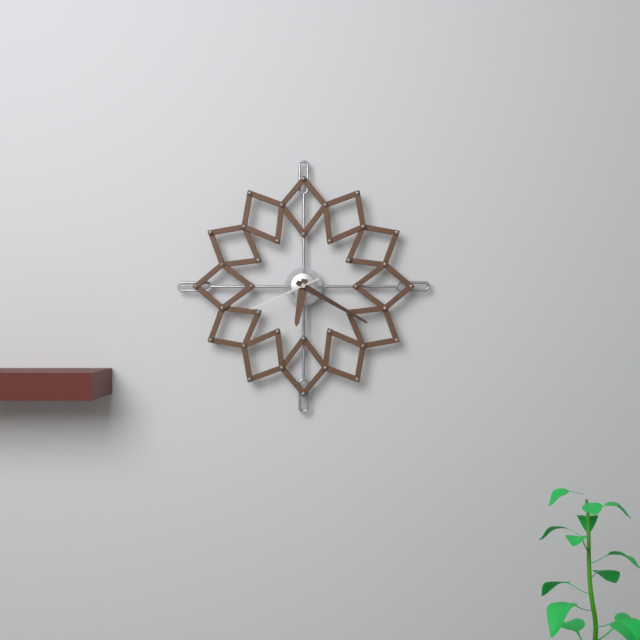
6:20:41
